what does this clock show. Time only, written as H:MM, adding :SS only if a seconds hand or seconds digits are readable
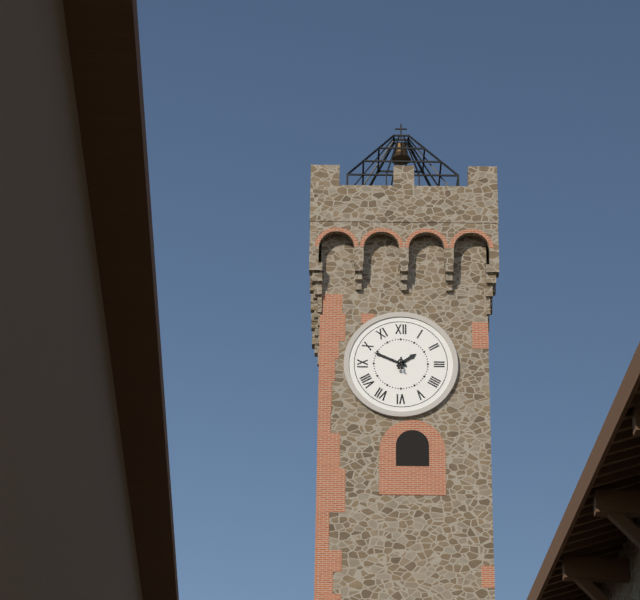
1:49
